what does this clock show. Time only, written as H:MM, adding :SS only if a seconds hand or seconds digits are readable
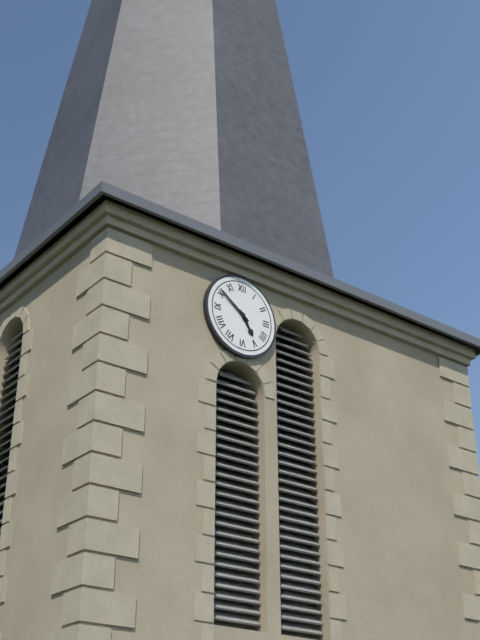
4:51
